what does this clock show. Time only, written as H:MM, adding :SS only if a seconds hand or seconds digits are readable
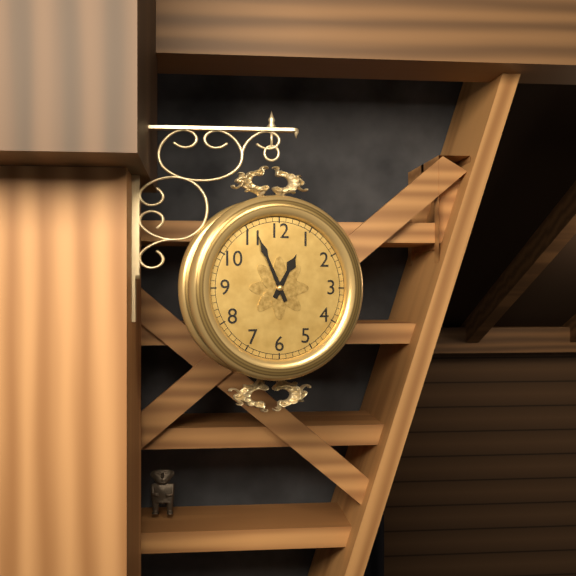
12:56
